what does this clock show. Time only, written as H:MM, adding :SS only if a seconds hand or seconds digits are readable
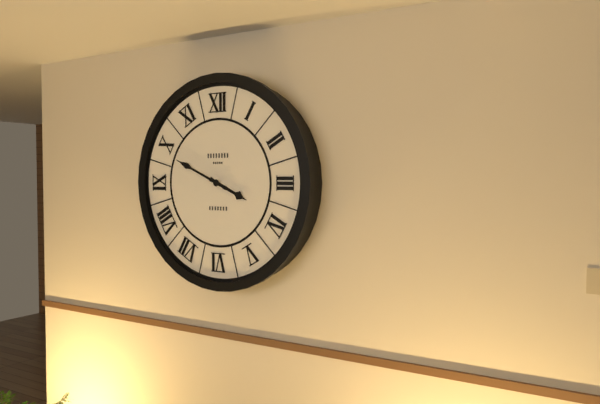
3:49
